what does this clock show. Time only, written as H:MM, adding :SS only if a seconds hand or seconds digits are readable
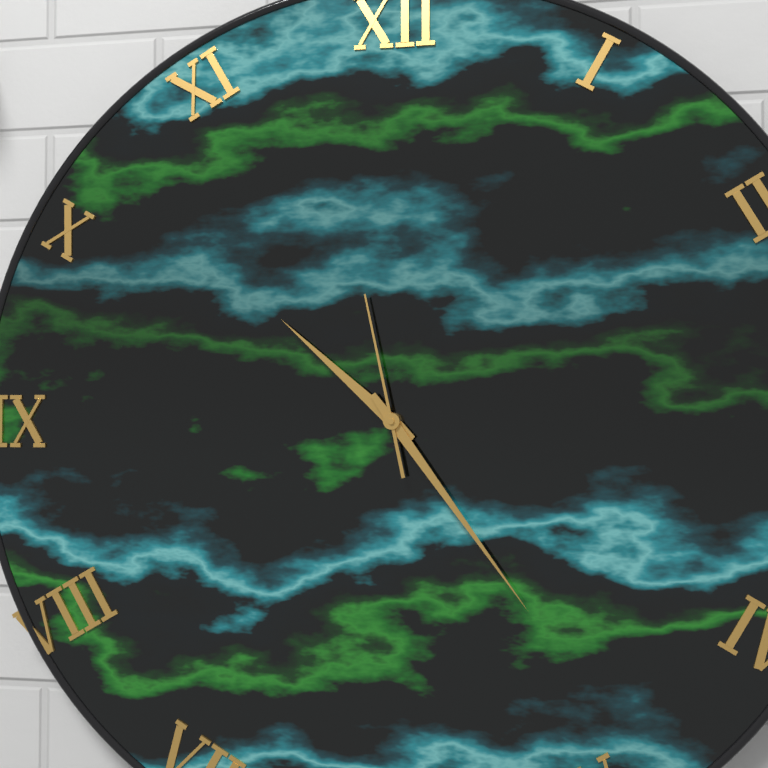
10:24:58
